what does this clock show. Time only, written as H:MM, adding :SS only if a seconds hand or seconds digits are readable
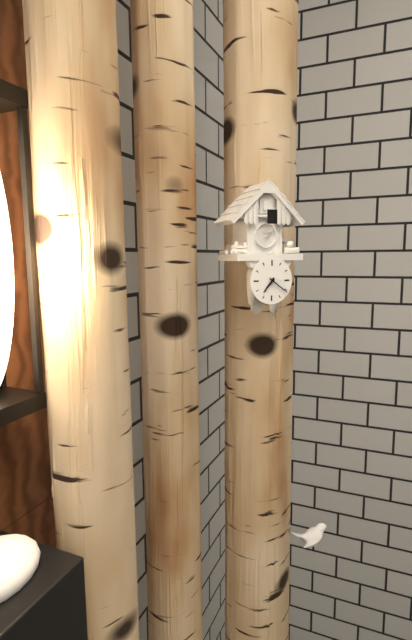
7:21
